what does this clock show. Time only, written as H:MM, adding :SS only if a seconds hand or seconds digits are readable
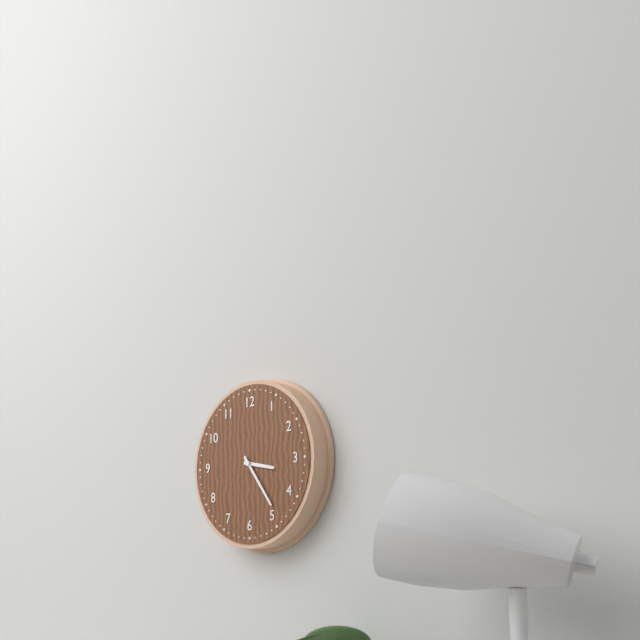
3:24
